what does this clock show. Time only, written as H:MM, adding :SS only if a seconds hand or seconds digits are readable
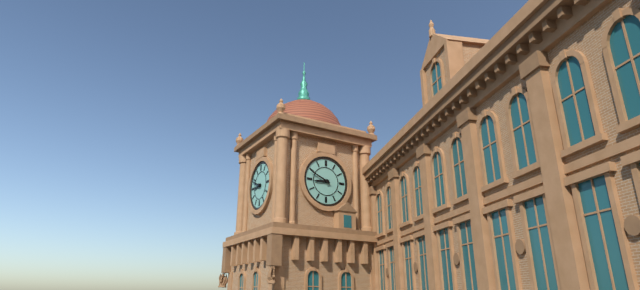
8:49
